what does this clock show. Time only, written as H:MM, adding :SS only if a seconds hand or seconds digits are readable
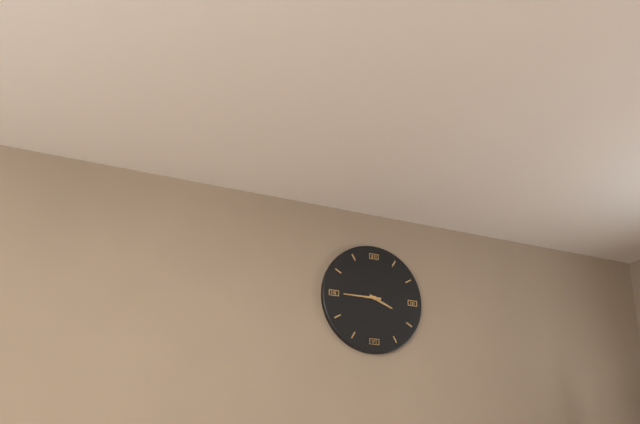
3:45
